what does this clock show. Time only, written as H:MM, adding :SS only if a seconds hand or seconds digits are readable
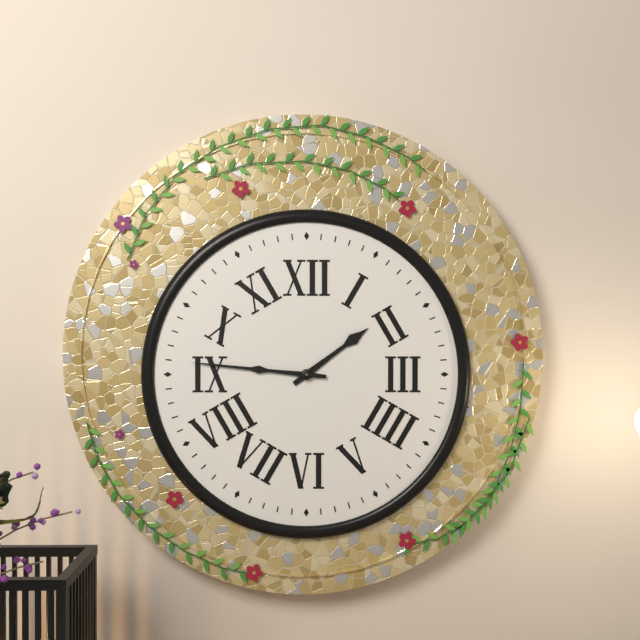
1:46
